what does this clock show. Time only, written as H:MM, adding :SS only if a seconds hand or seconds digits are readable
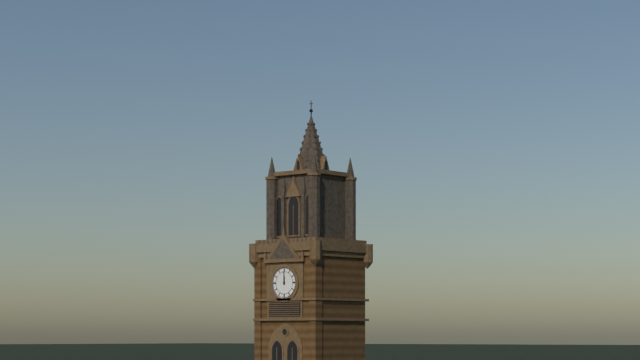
12:00
